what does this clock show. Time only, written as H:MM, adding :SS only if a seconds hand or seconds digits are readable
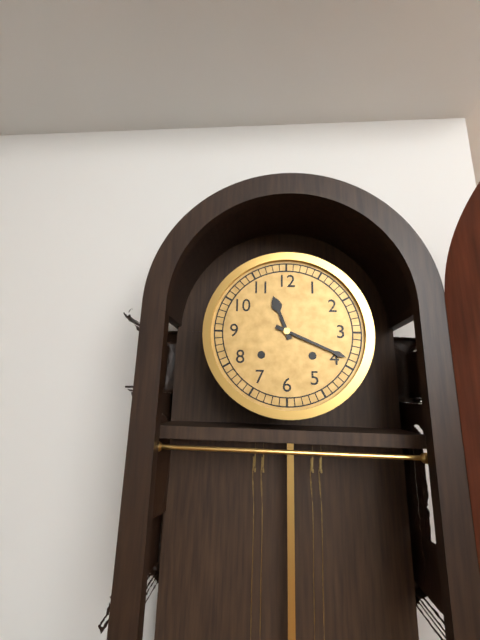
11:19
